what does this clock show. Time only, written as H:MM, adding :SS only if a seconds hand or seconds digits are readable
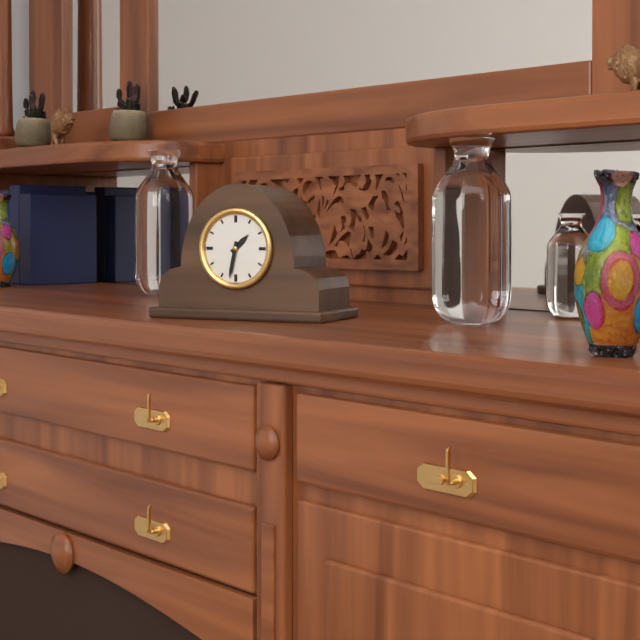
1:32
